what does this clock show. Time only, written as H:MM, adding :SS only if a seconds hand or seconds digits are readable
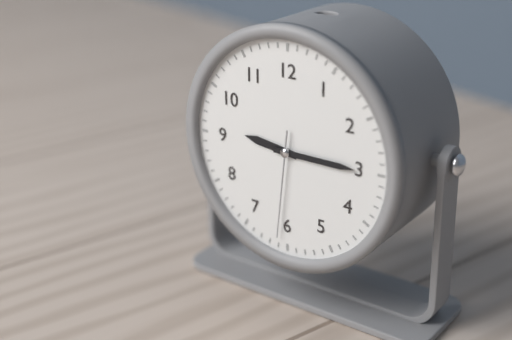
9:15:31
